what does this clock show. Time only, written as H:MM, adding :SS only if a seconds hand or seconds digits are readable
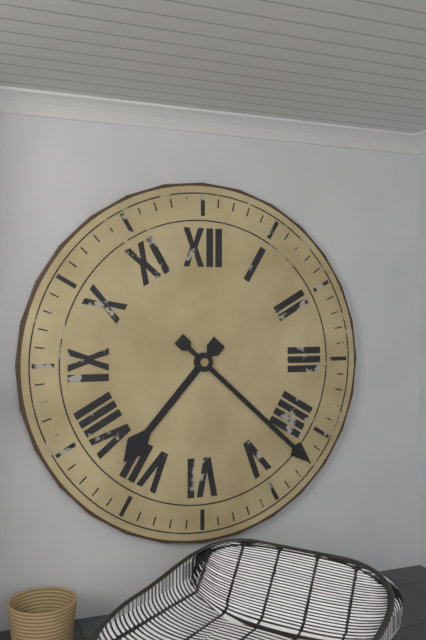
7:22
